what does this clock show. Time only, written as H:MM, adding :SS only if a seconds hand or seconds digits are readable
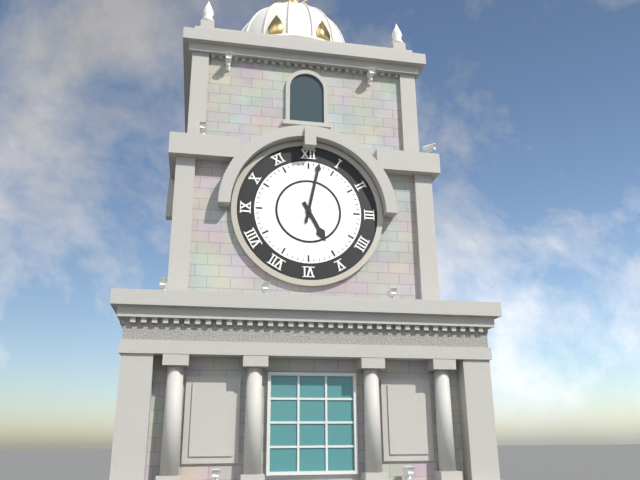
5:02
